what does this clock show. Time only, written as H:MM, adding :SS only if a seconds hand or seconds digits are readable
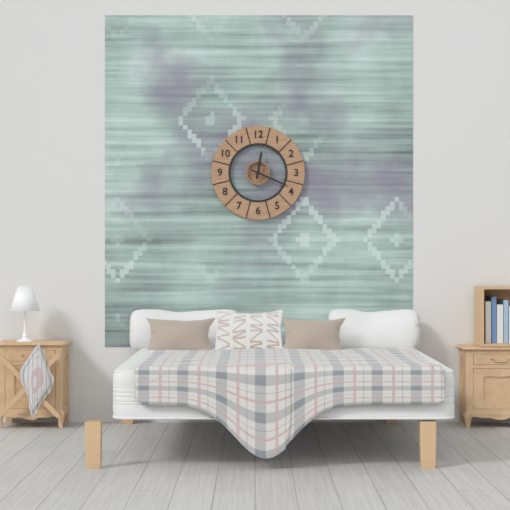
12:19
